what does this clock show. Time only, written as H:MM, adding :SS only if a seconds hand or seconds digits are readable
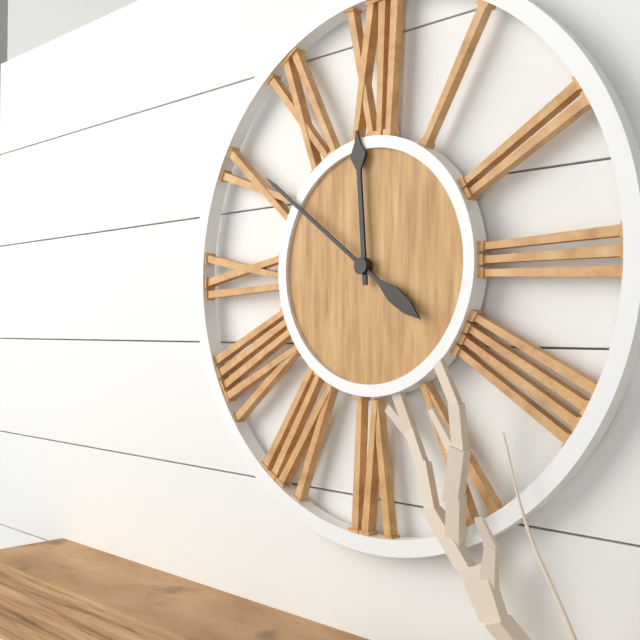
11:51
